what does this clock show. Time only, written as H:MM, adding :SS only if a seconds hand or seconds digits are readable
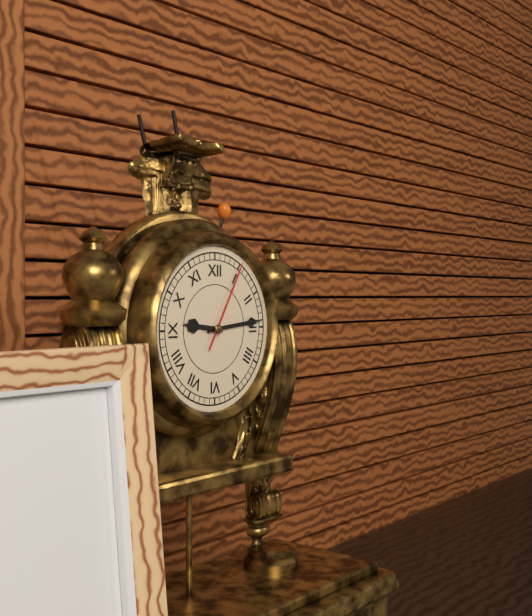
9:14:05
